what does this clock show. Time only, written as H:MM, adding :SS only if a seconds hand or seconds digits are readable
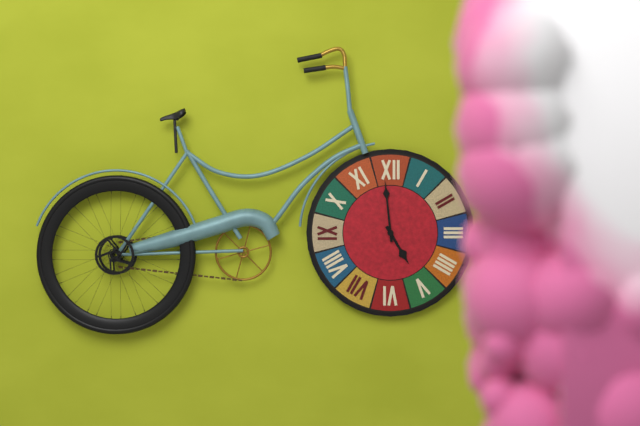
4:59
